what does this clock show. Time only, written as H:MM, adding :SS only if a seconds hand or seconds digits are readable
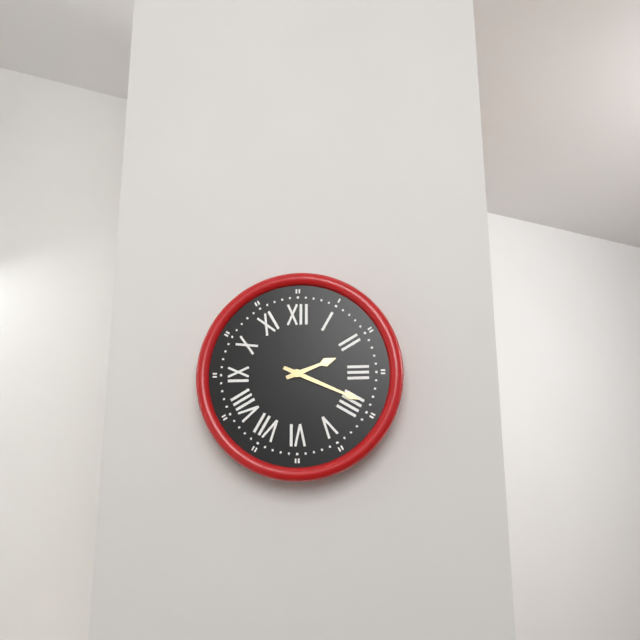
2:19
